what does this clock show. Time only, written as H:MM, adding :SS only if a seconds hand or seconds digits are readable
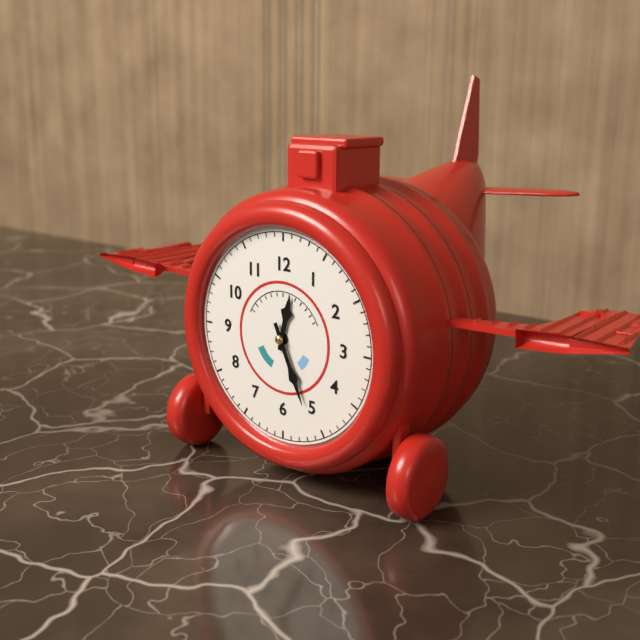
12:26
